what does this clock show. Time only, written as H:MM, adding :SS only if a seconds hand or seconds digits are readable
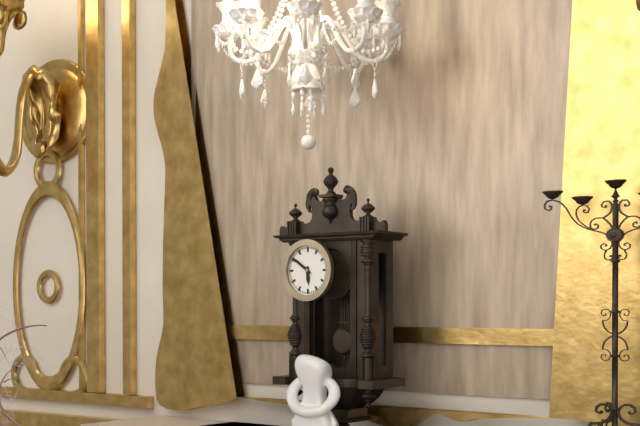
5:51
